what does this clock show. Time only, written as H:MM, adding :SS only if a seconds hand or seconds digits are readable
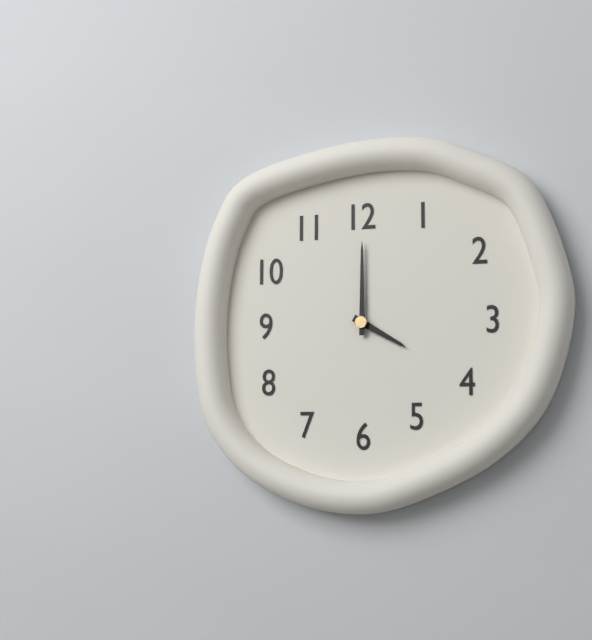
4:00
